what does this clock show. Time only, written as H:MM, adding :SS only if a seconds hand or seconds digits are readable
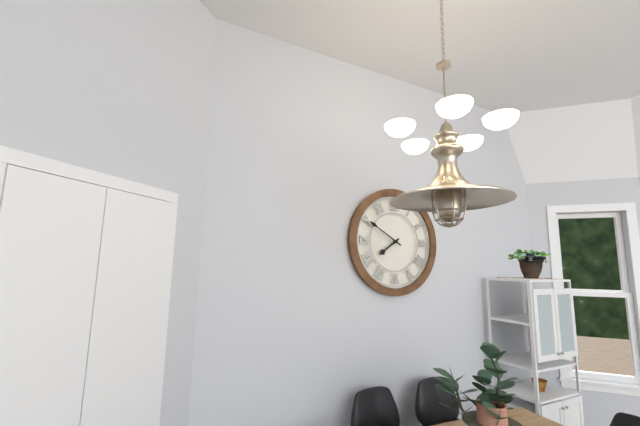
7:50
